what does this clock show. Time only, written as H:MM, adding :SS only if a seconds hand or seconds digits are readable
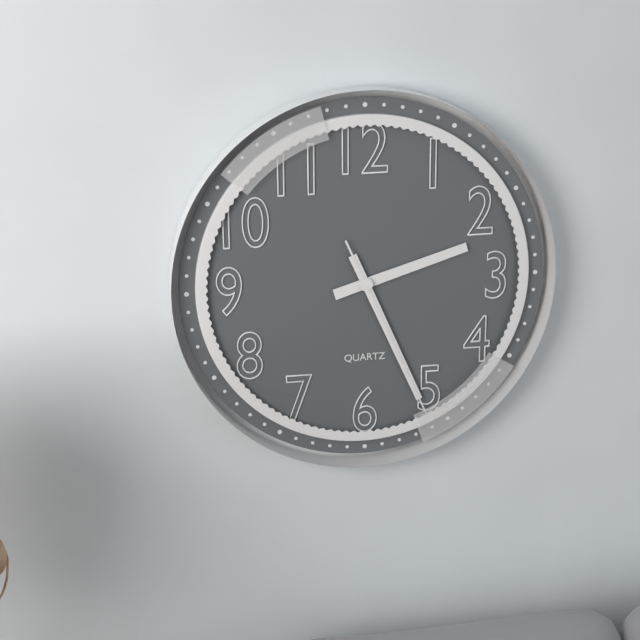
2:26:26
